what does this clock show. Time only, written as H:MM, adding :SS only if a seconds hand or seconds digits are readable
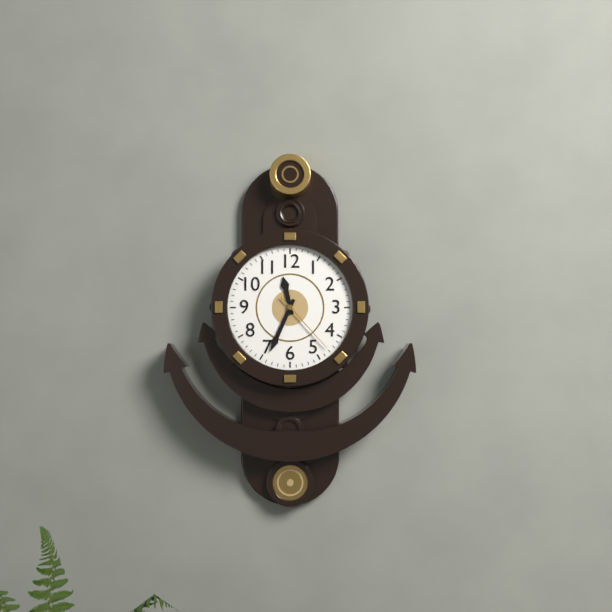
11:34:23
